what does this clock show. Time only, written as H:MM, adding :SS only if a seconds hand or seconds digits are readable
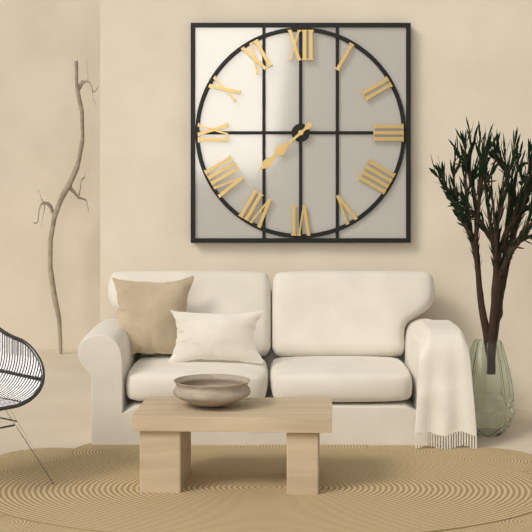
7:38
